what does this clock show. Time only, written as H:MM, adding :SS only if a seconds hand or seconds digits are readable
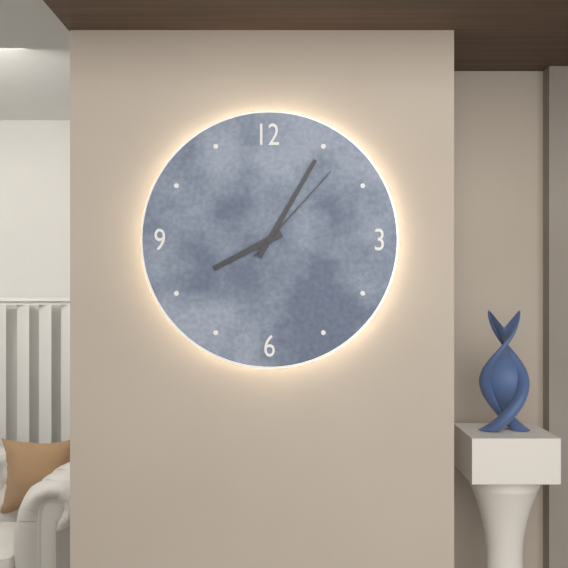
8:05:07
